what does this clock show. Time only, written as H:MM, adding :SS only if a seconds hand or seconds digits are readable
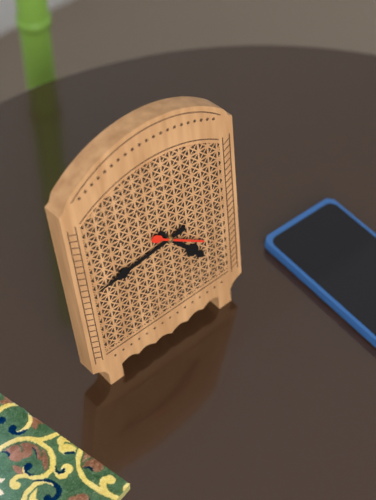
4:44
